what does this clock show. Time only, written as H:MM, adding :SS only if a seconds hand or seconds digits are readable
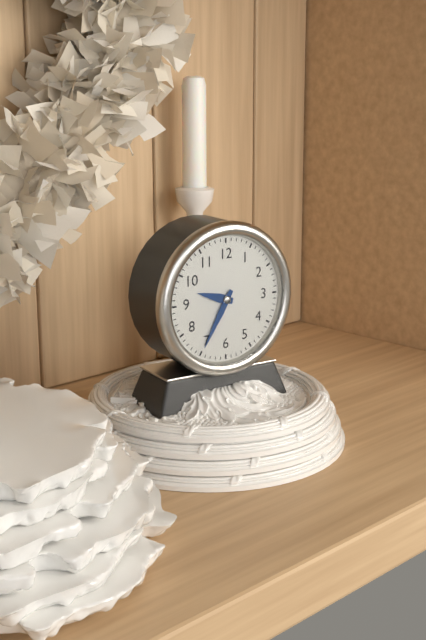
9:35
